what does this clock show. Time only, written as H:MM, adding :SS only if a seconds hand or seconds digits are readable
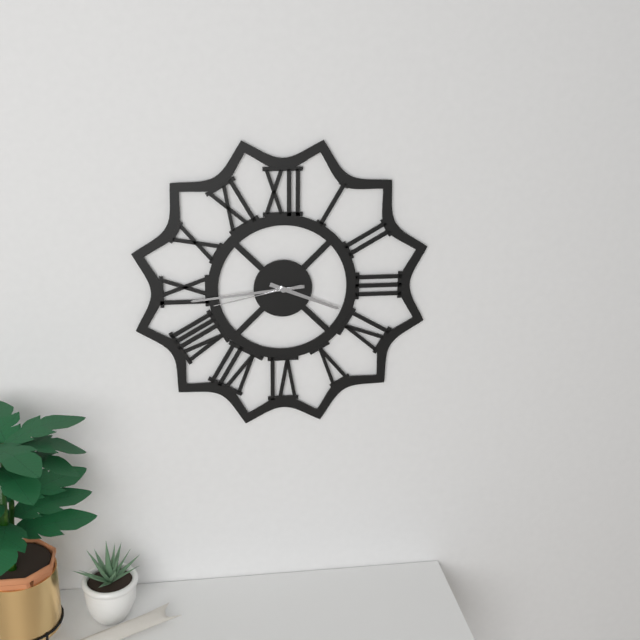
3:44:43
